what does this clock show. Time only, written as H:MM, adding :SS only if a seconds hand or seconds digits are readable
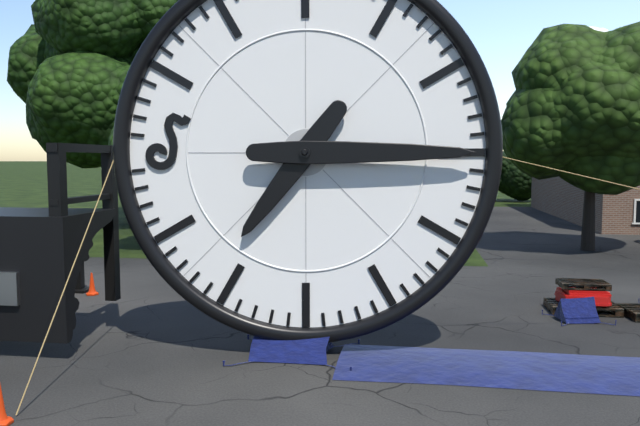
7:15
